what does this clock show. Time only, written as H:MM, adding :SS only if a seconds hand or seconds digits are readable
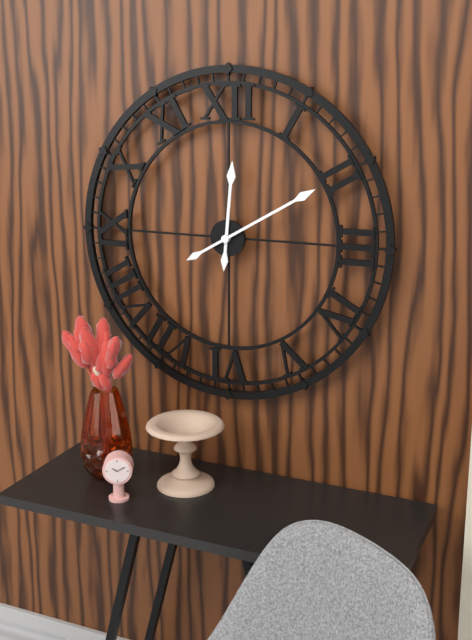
12:10
